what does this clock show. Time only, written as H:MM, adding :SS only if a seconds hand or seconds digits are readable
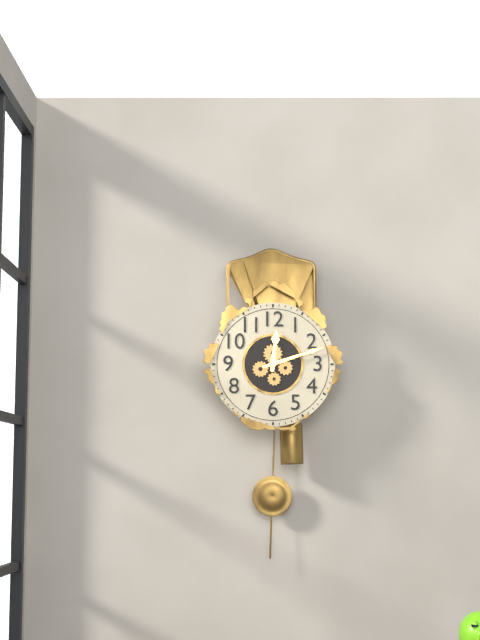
12:12
